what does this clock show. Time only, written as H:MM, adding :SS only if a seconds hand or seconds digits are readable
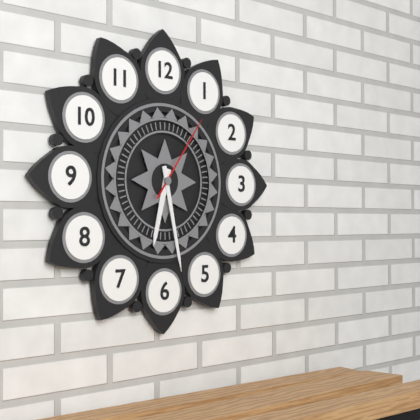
6:28:06
